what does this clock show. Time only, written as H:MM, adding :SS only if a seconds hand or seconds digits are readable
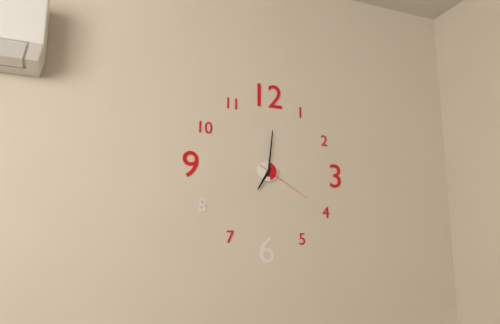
7:01:20
